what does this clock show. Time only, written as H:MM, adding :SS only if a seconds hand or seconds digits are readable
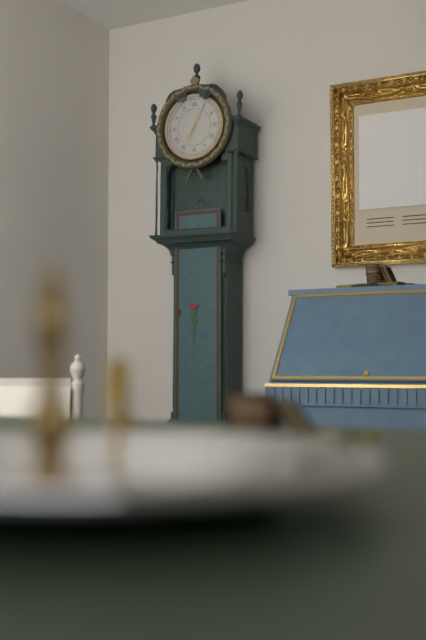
7:05
